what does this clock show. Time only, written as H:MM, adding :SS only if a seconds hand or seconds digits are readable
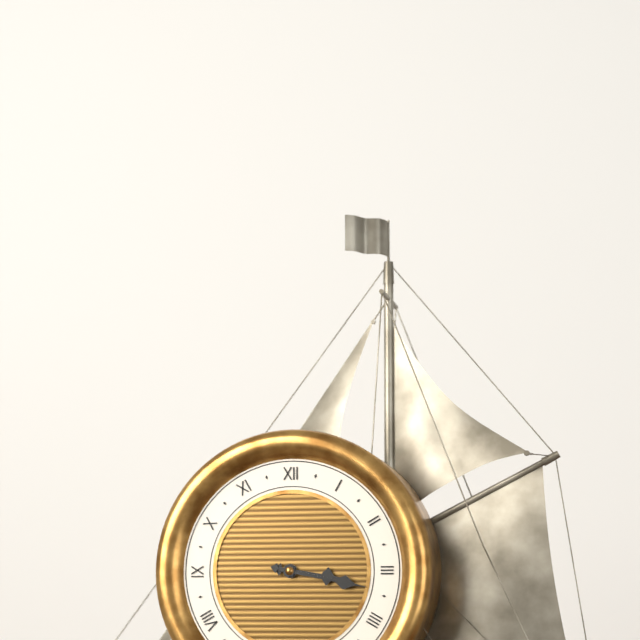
3:17
